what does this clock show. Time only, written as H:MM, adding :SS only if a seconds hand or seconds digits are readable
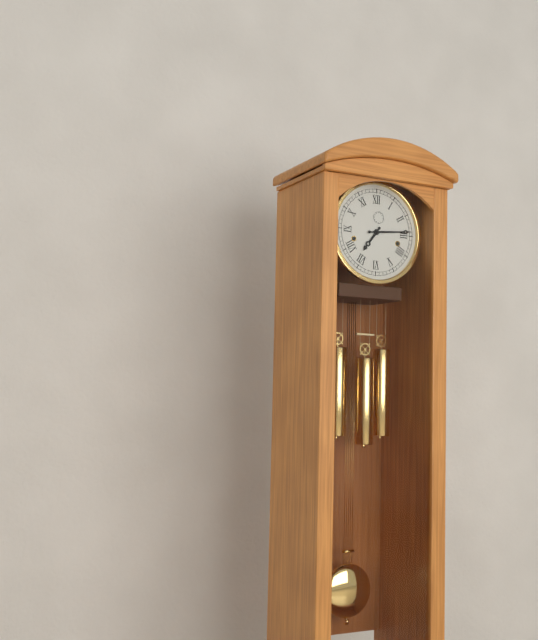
7:14
